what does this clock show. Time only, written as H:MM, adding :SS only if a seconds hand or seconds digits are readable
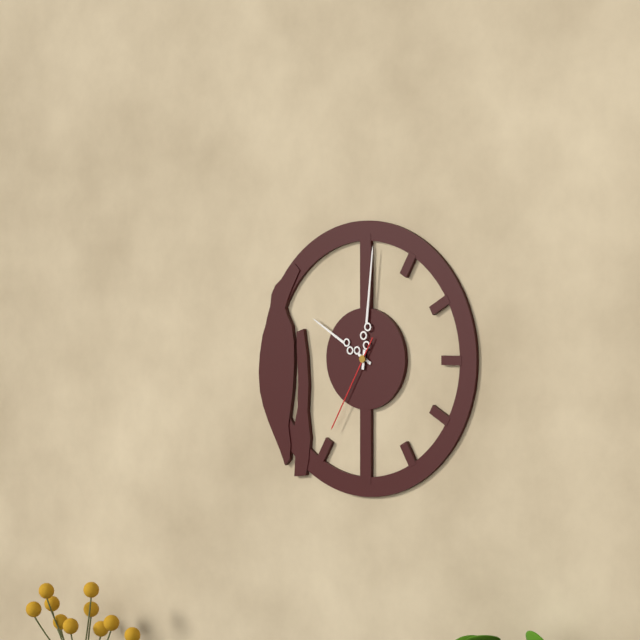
10:01:35
